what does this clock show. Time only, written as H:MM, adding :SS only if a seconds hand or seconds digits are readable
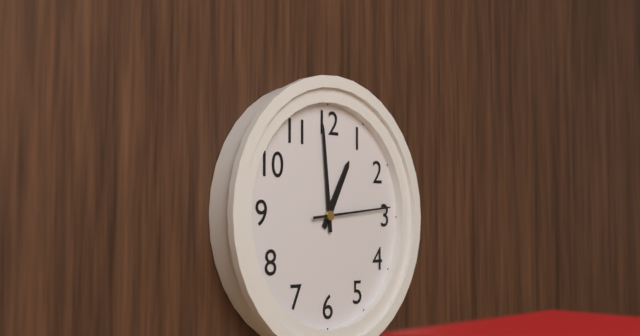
12:59:14
